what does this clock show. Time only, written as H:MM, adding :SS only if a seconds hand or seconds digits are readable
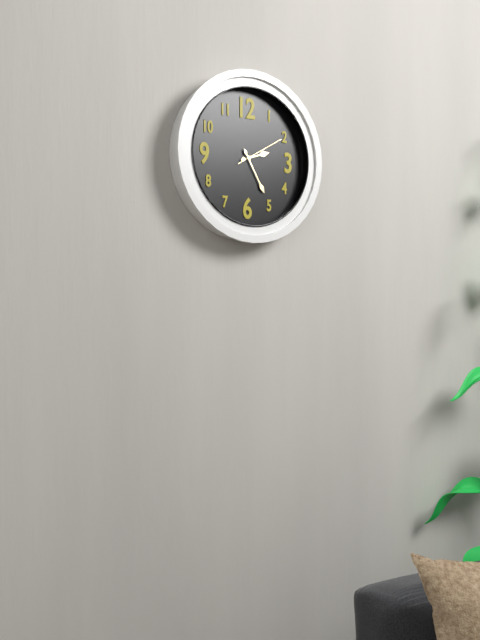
2:25
